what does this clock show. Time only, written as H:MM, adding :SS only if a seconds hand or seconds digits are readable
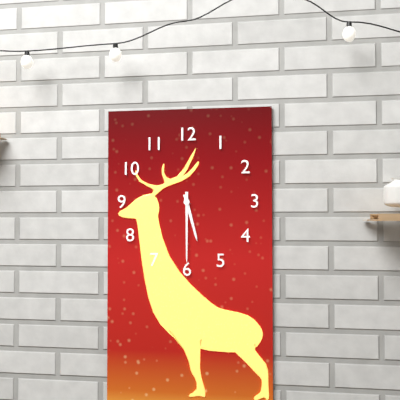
5:30
